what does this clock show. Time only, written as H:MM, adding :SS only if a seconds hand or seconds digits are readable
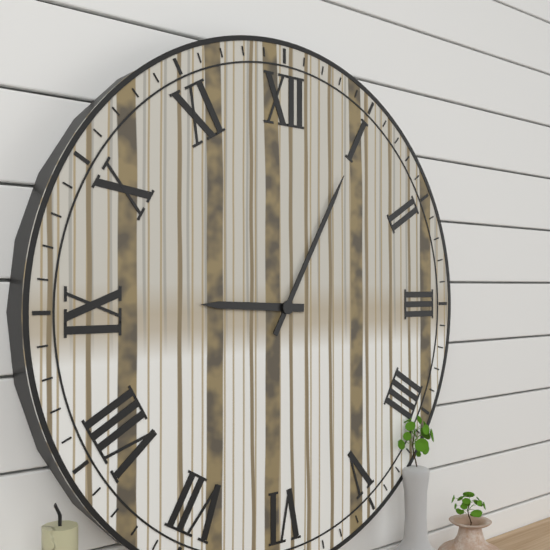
9:05
